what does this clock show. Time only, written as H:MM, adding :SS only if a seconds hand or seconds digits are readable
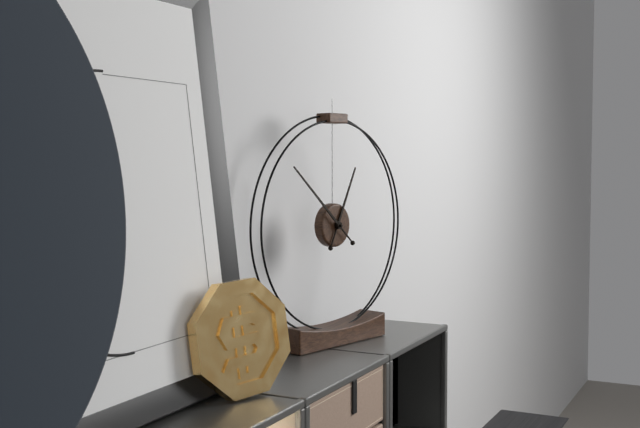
12:52
